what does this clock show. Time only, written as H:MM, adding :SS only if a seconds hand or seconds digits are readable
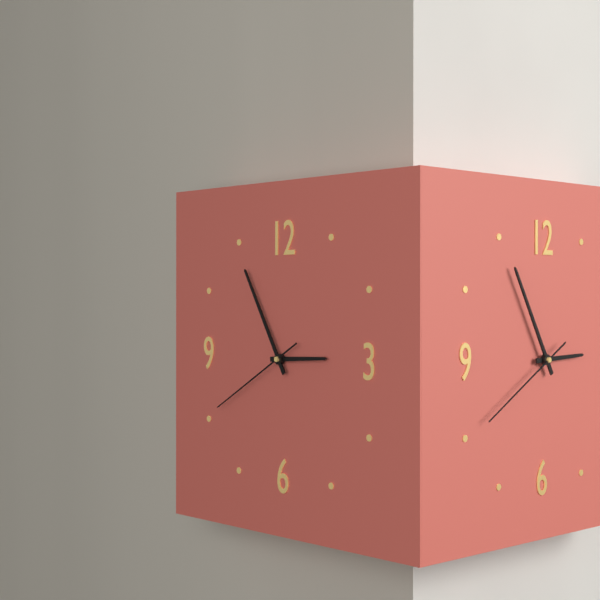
2:55:40
